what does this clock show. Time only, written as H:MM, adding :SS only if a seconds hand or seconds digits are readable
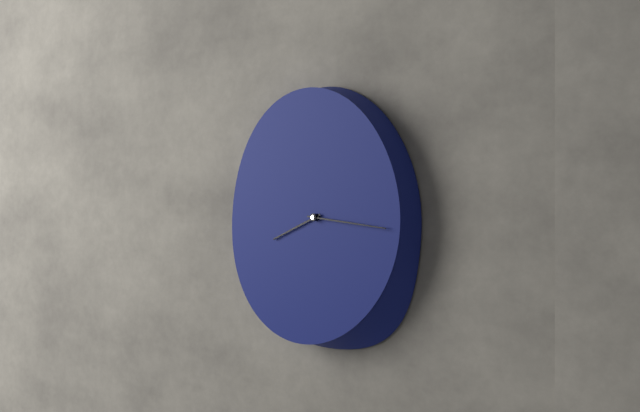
8:16
